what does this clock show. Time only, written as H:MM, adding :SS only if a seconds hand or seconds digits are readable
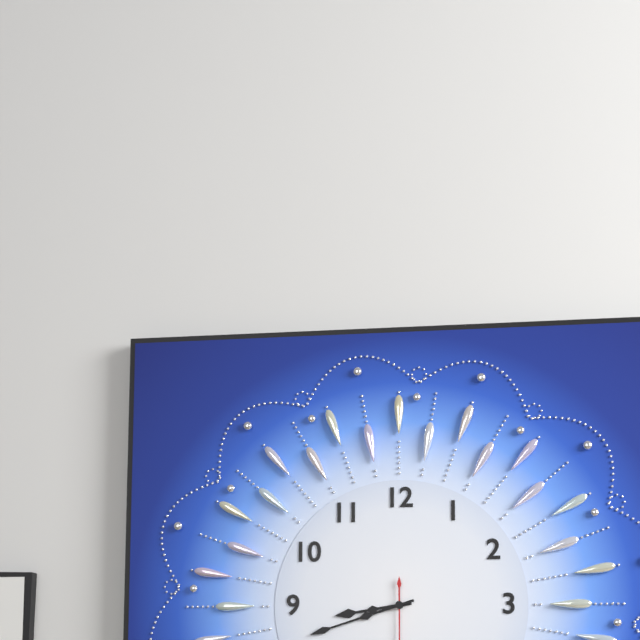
8:42
